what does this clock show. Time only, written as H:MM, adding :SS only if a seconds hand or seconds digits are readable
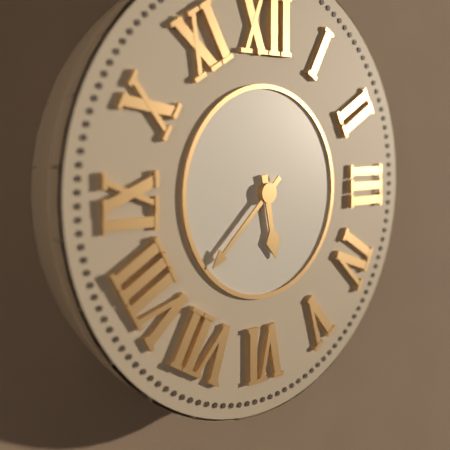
5:38
